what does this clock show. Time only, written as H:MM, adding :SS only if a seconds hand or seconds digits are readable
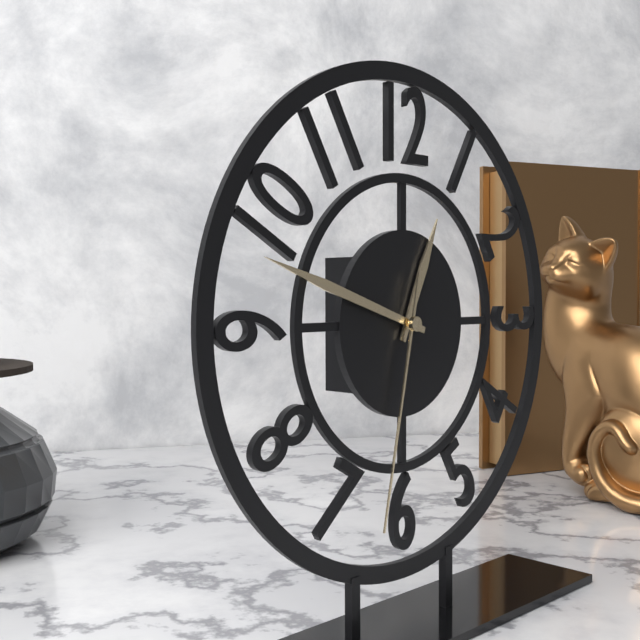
12:48:32
